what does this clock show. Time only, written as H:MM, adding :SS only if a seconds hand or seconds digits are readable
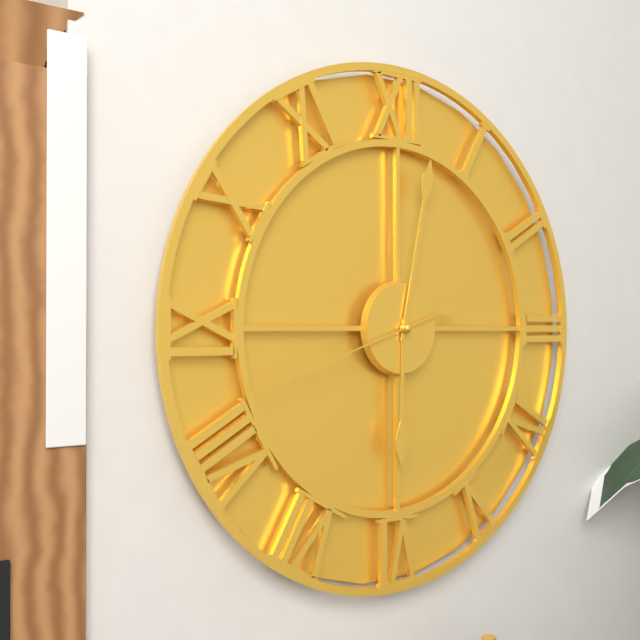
6:02:42
